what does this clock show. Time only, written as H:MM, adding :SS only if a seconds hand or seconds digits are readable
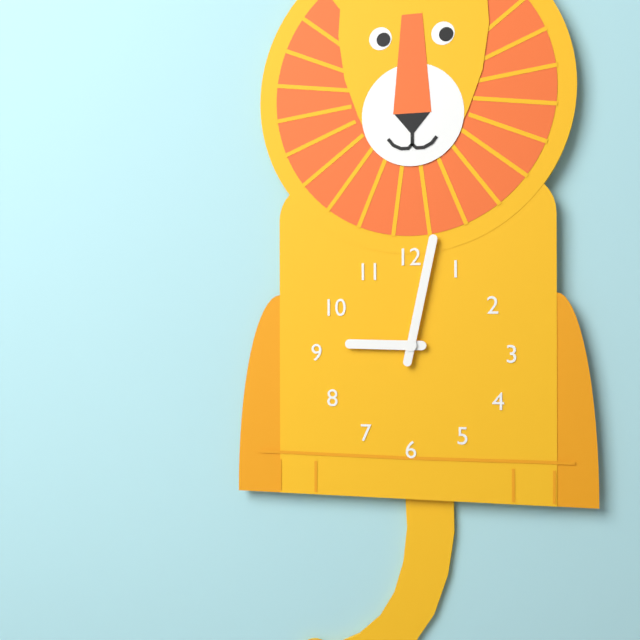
9:02
